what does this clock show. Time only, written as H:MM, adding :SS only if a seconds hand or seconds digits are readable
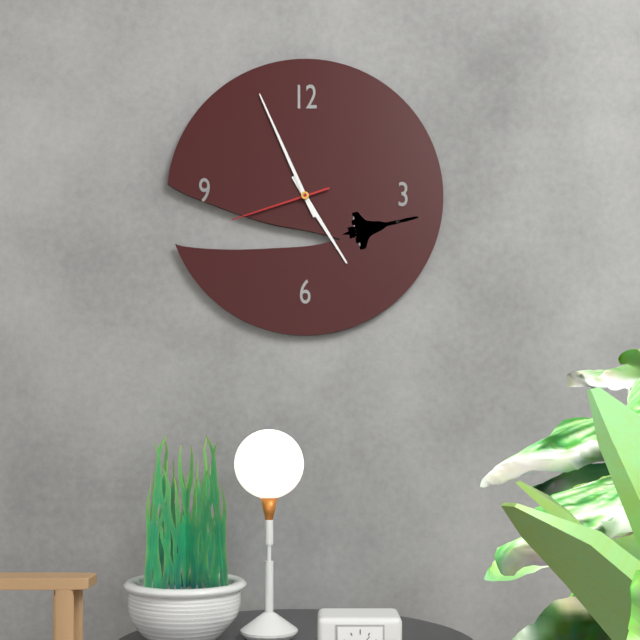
4:56:42
